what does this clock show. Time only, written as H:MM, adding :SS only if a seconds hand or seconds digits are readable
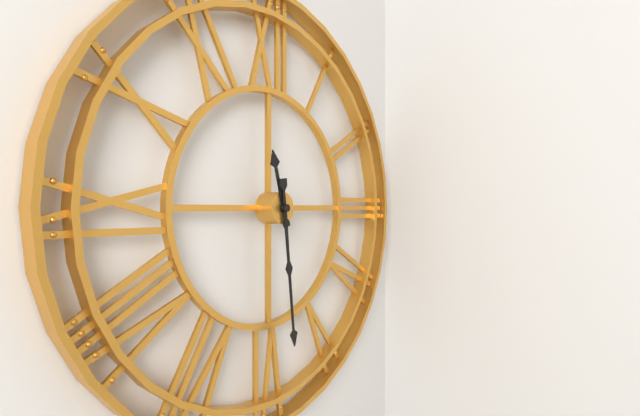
11:29
